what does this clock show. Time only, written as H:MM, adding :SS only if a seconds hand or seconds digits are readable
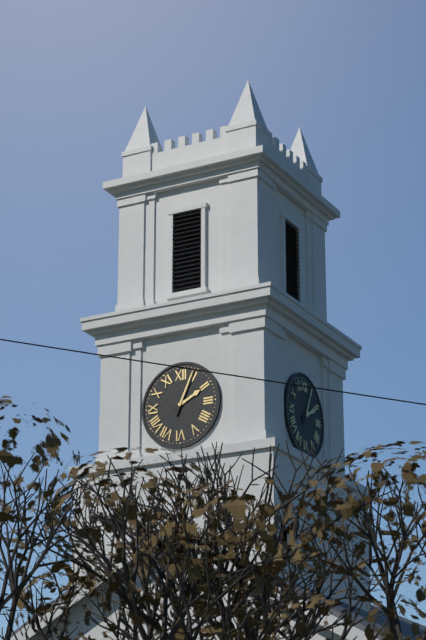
2:04
